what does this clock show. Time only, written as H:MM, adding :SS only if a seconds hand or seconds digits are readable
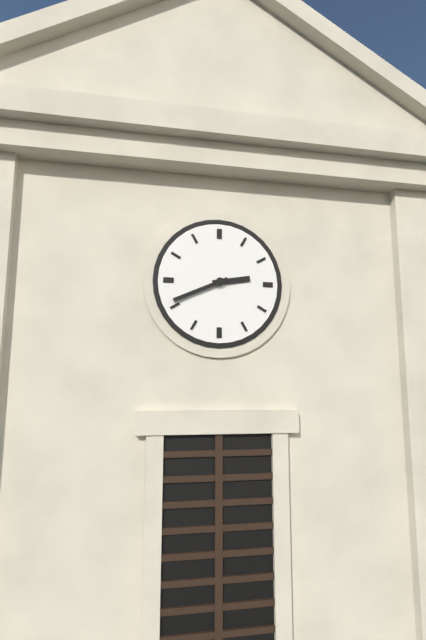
2:41
